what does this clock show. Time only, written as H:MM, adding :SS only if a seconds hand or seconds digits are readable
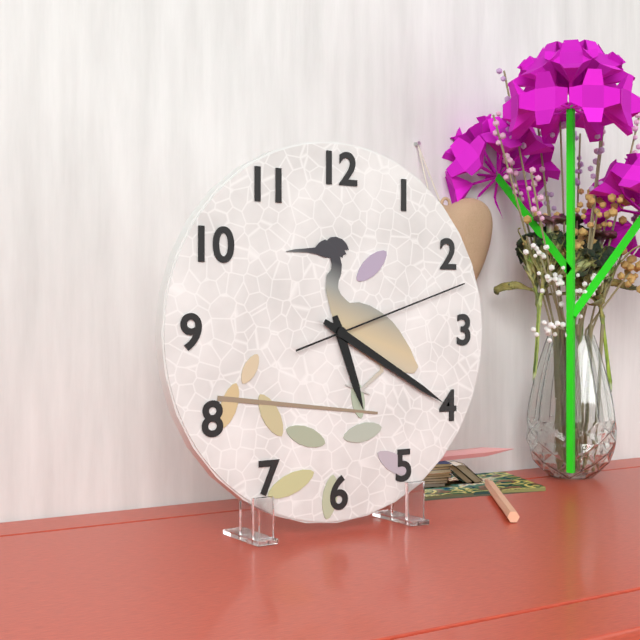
5:20:12
